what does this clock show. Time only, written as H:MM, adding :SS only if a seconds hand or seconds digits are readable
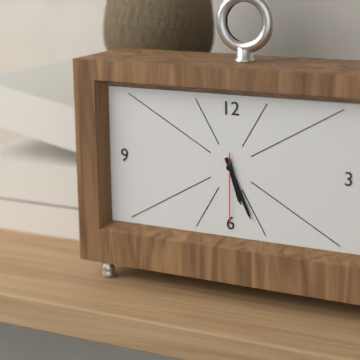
5:26:30
